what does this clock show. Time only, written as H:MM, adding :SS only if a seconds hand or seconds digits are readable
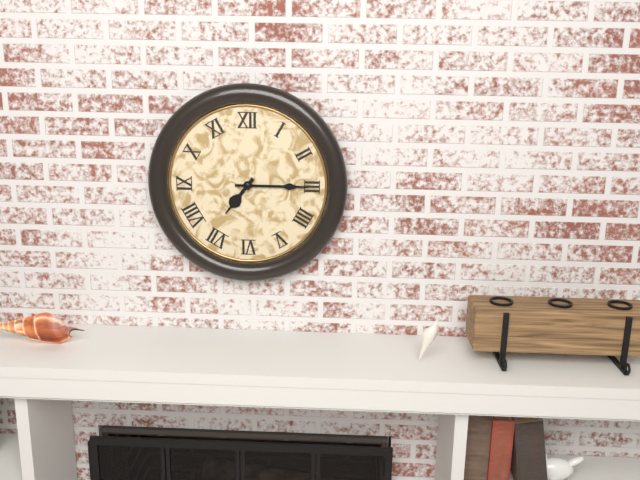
7:15
